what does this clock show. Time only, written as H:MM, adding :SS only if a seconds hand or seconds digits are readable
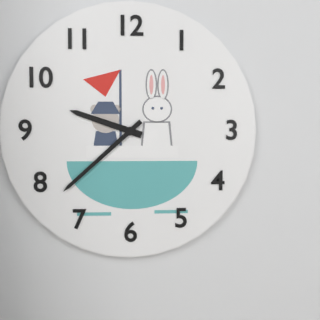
9:38
